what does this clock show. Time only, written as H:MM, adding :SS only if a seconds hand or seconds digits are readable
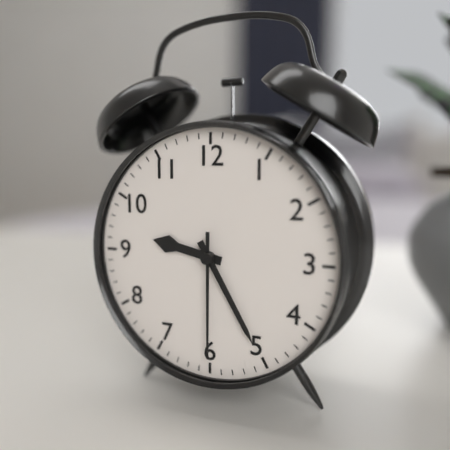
9:25:30
